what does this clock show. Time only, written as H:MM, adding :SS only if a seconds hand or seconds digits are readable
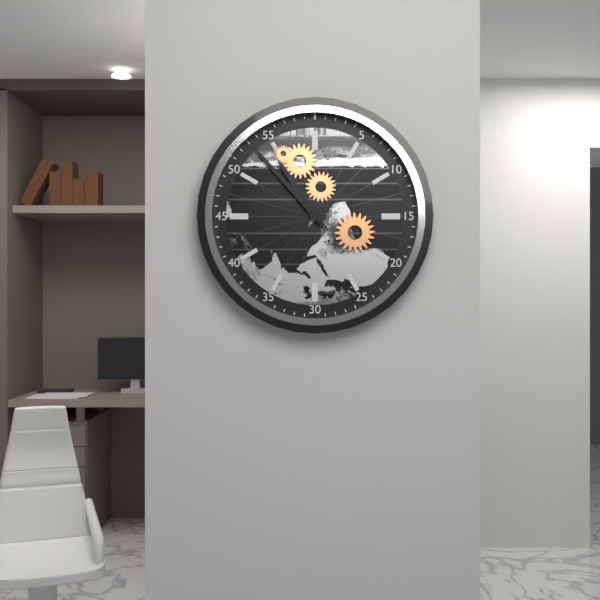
10:53
